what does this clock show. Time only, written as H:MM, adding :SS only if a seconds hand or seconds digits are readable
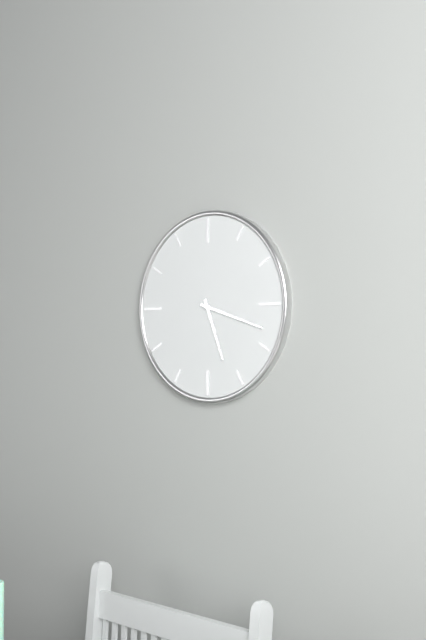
5:18
